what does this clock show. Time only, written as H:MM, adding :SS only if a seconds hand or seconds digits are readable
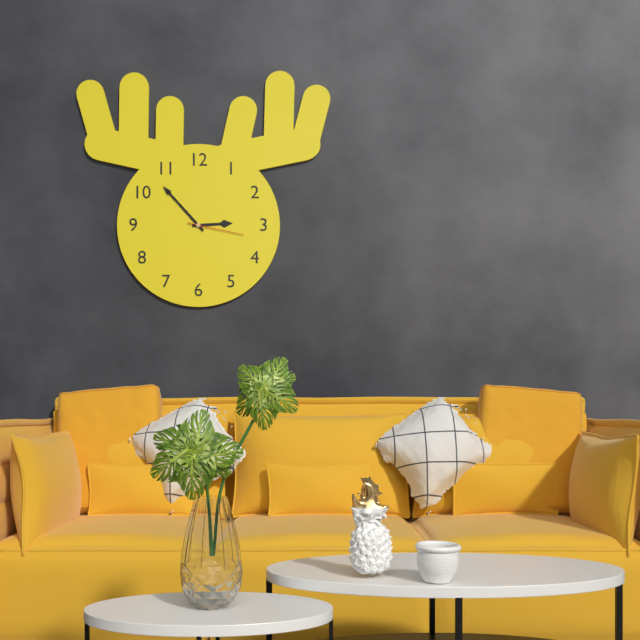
2:53:17
